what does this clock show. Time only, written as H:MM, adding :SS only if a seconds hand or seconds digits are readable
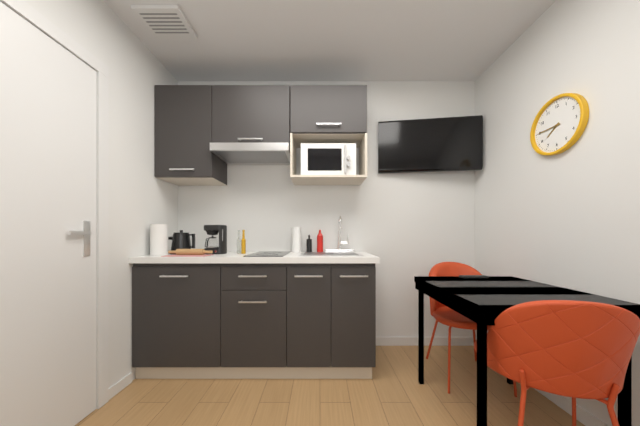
7:45
